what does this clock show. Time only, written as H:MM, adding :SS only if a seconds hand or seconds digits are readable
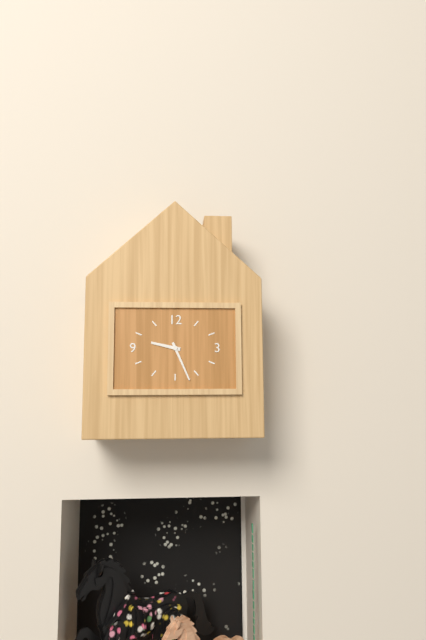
9:26
